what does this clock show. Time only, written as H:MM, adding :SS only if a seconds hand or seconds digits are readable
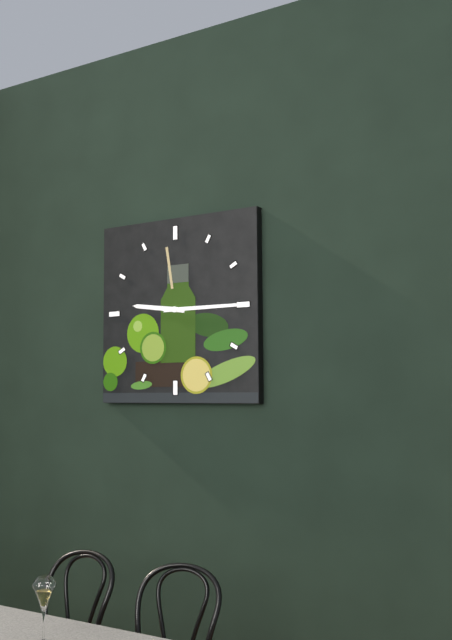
9:15
